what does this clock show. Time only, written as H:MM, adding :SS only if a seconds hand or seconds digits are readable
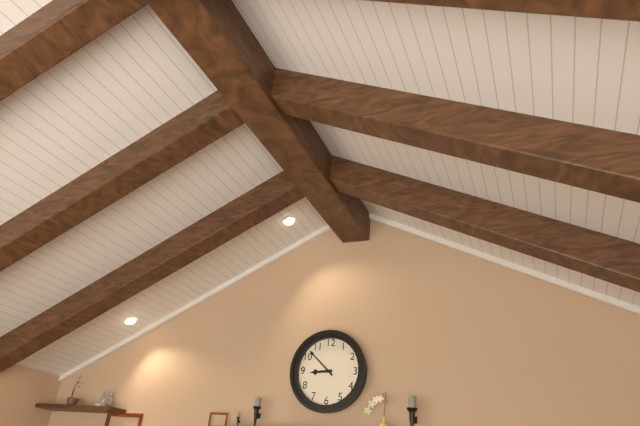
8:52
